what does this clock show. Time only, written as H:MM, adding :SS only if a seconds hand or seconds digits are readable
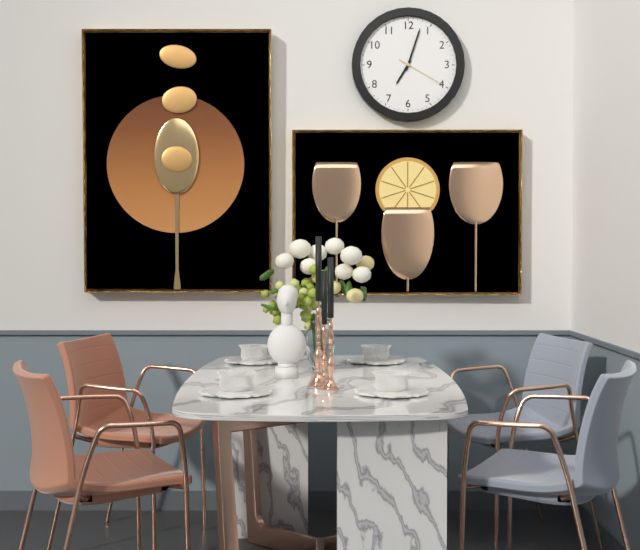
7:03:20
